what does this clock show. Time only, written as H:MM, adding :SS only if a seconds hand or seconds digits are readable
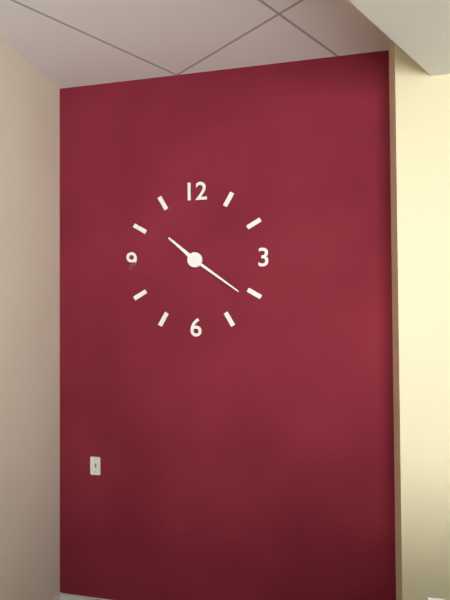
10:21
